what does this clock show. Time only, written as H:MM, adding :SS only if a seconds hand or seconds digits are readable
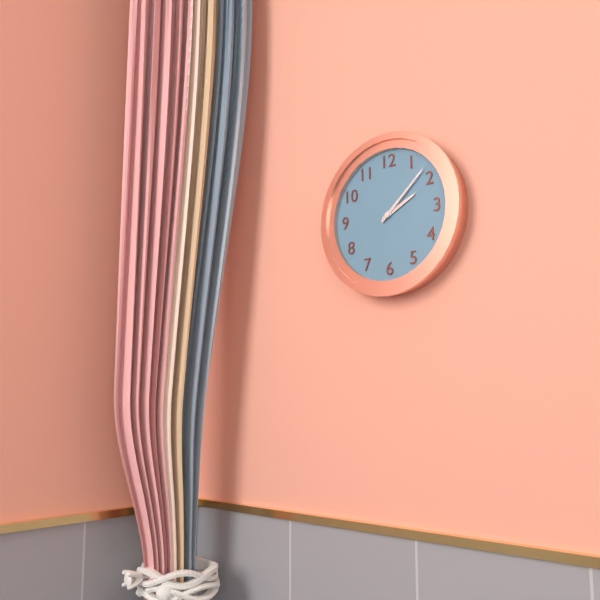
2:08
